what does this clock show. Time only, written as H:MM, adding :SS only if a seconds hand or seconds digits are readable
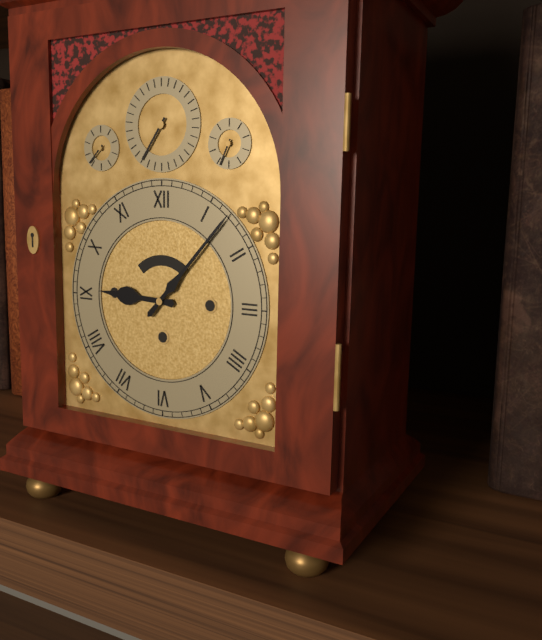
9:07
